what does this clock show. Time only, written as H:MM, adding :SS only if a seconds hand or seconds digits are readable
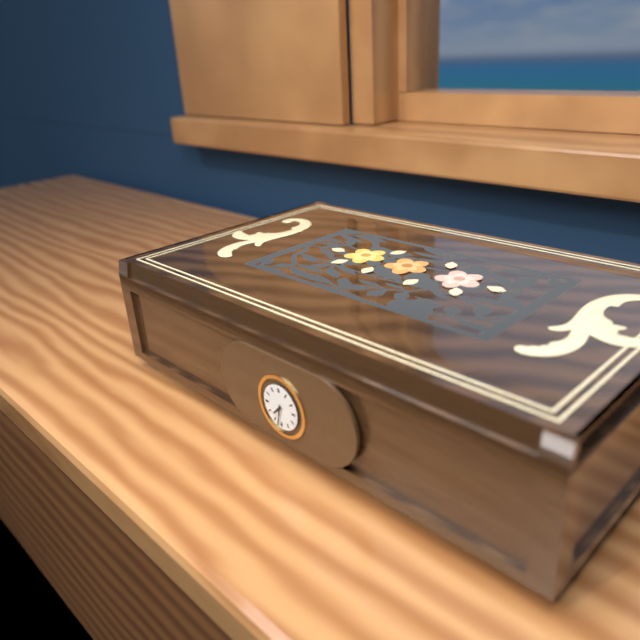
7:32:32
